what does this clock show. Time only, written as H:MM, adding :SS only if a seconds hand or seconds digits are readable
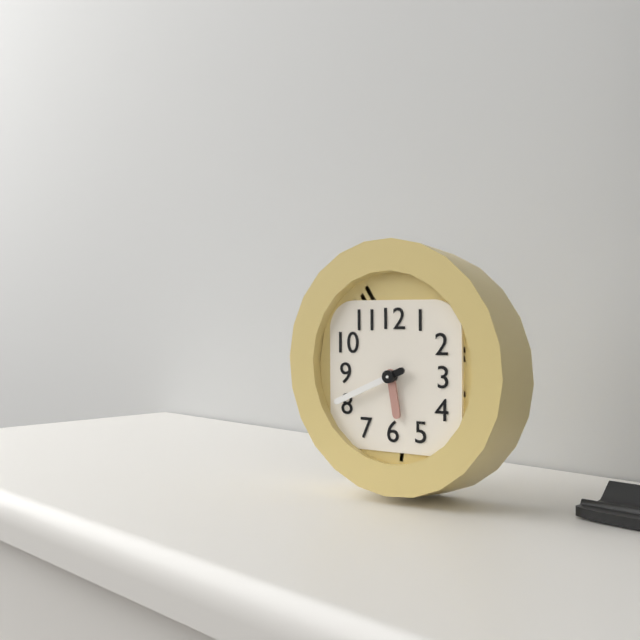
5:41
